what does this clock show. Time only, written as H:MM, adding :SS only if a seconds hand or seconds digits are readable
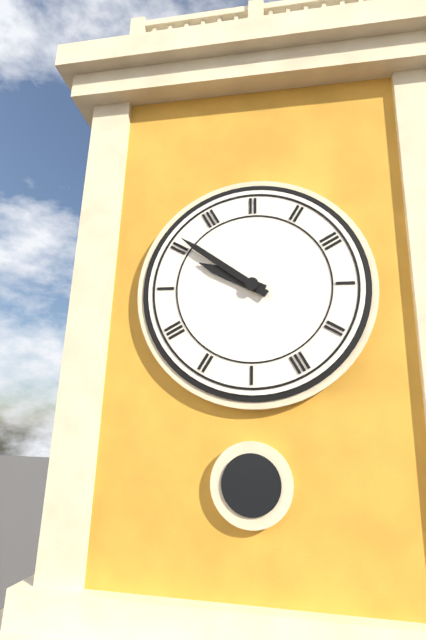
9:51
